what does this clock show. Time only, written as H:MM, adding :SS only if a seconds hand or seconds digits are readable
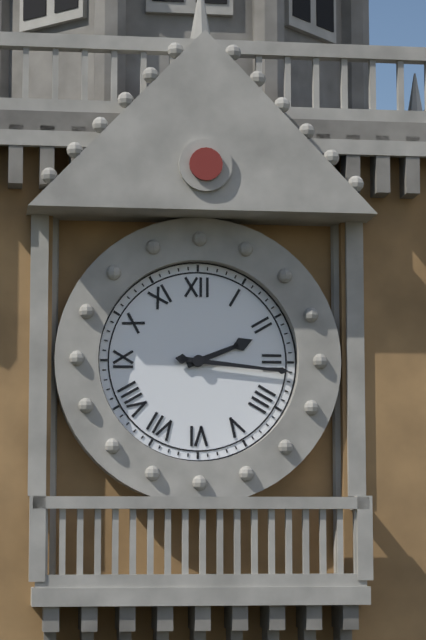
2:16
